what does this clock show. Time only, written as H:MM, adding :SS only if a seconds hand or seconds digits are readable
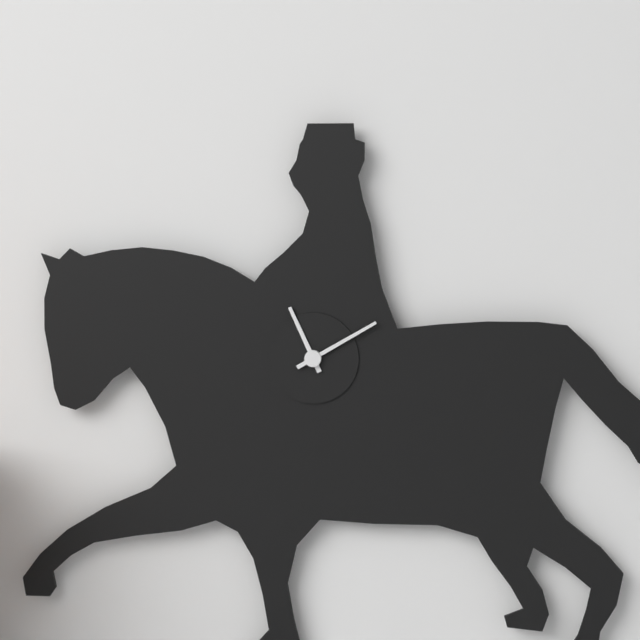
11:10
